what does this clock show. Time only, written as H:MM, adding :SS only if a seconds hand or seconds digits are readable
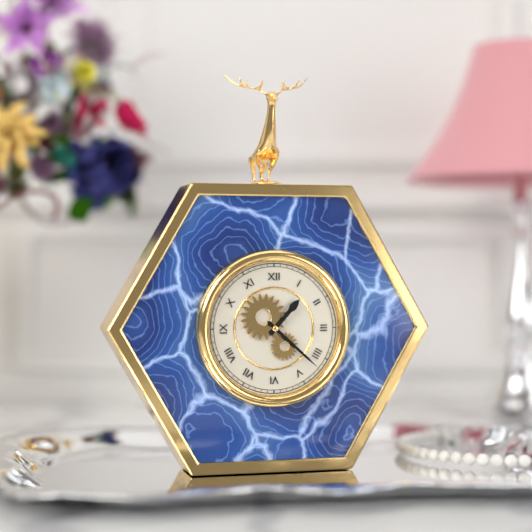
1:22
